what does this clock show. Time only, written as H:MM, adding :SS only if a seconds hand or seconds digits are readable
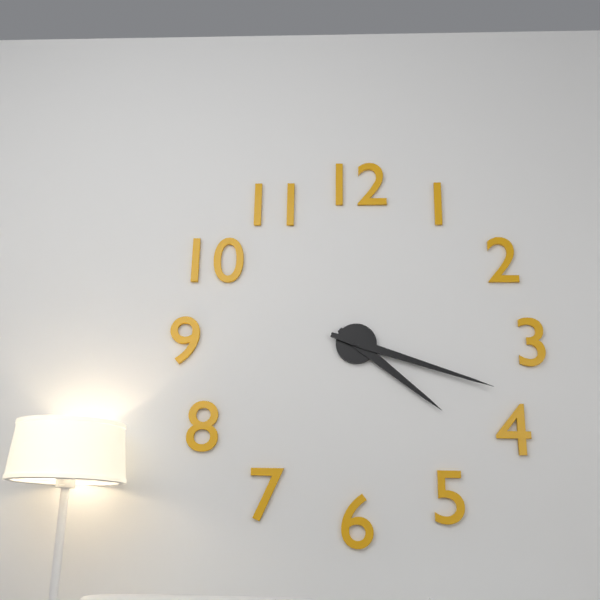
4:18
